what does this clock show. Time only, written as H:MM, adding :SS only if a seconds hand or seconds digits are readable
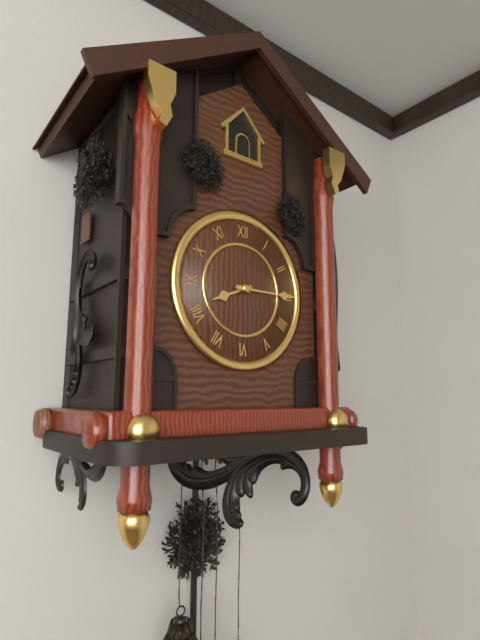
8:15
